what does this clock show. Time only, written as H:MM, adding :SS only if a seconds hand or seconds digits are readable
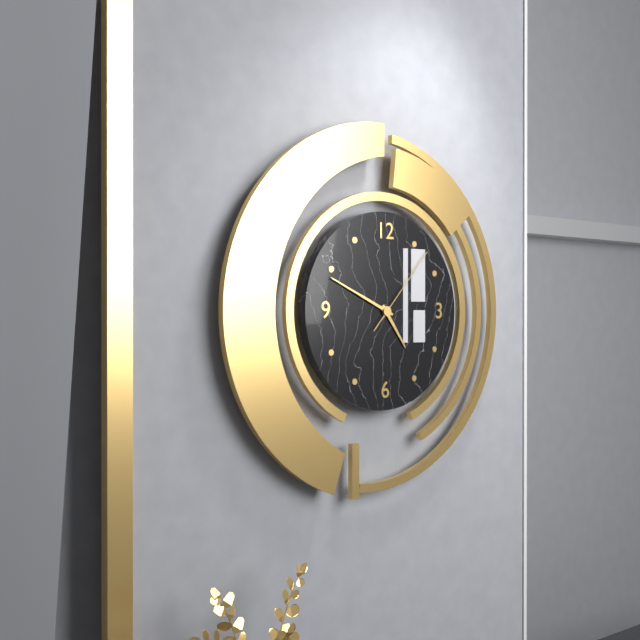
4:49:07
